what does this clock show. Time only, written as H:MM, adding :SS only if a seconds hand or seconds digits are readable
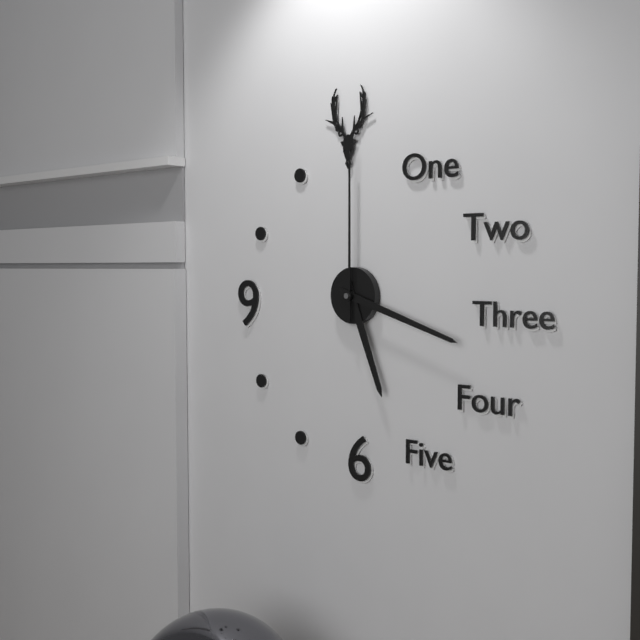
5:18:00
